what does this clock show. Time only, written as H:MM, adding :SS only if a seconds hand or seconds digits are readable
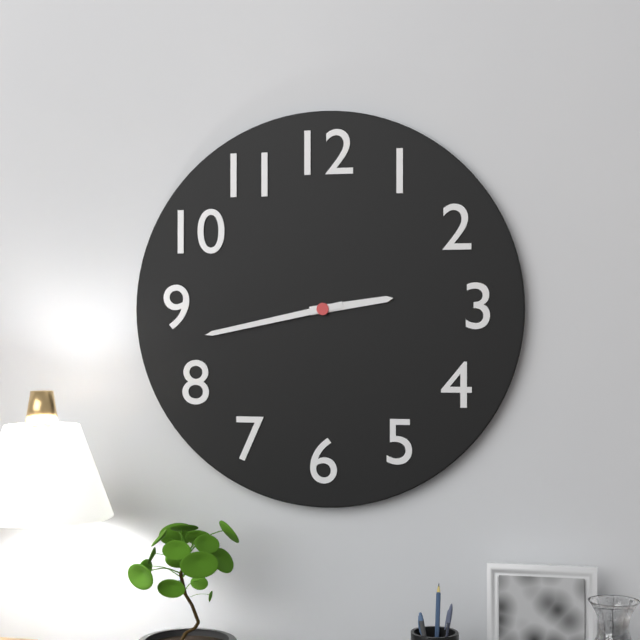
2:43
